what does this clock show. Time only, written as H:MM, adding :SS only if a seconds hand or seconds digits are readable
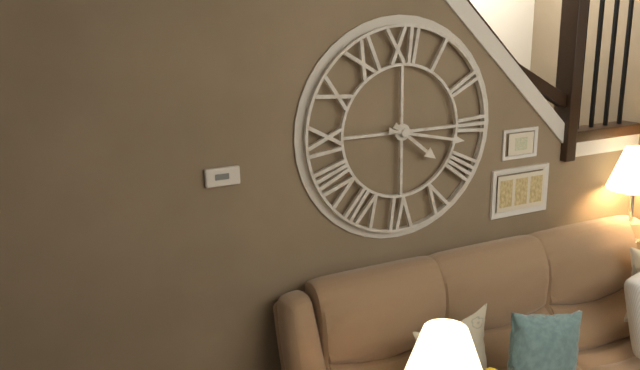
4:17
